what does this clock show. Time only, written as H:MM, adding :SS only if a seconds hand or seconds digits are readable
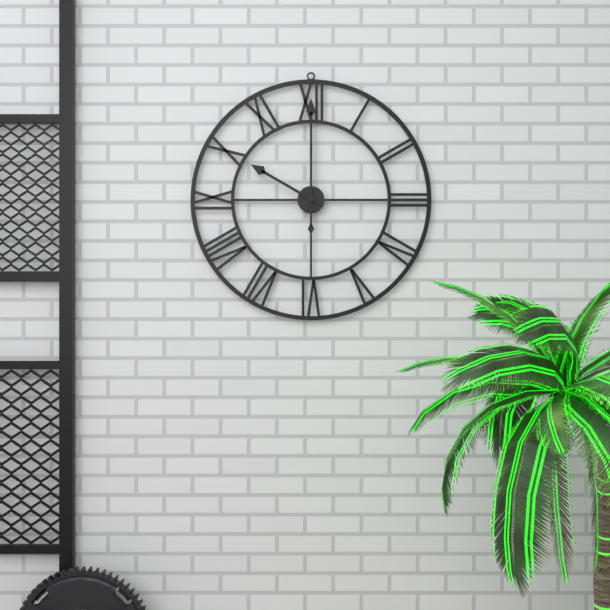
10:00
